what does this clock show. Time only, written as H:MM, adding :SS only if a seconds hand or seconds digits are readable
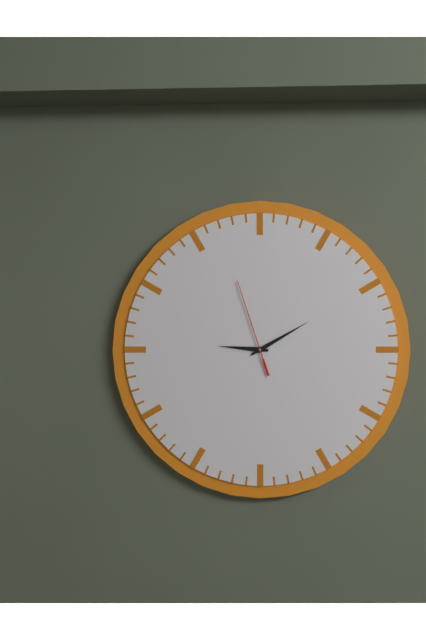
9:10:57
